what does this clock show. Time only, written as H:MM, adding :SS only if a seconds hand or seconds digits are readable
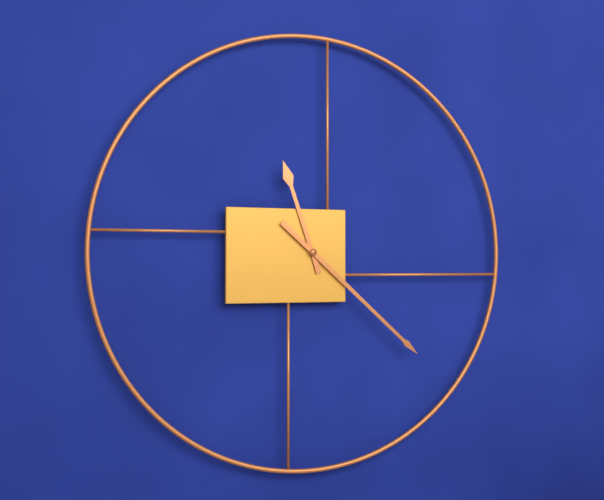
11:22
